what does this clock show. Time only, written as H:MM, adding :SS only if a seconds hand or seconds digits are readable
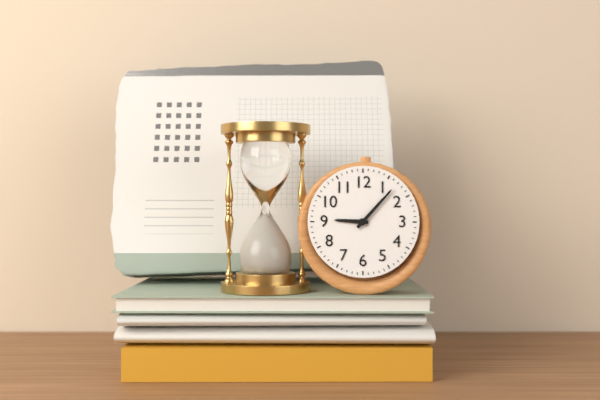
9:07
